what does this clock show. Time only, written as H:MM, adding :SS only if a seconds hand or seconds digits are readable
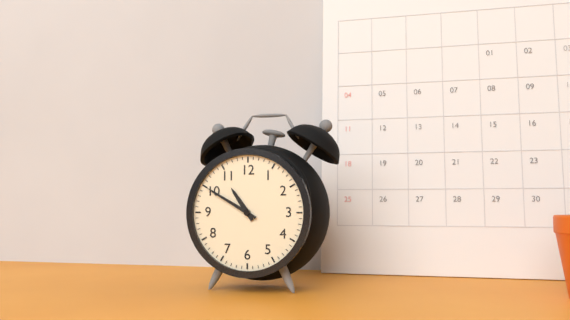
10:50
